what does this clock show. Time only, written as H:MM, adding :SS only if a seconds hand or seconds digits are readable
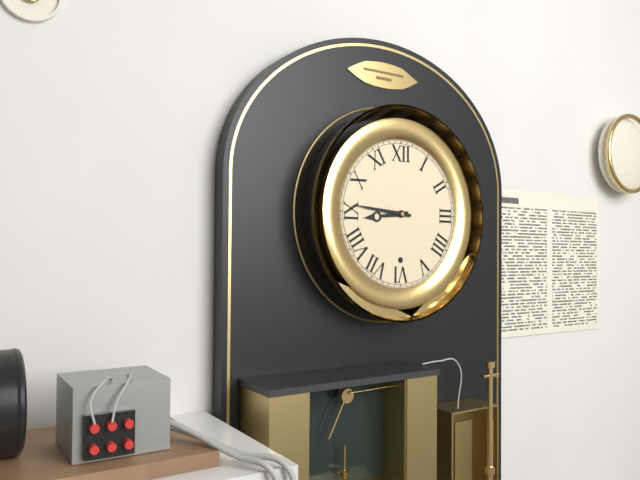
8:46
